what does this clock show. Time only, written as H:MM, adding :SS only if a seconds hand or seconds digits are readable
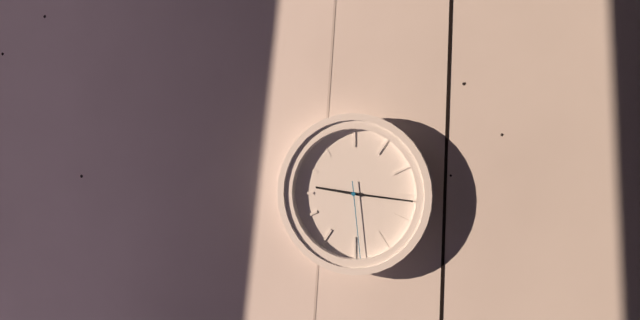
9:16:29
